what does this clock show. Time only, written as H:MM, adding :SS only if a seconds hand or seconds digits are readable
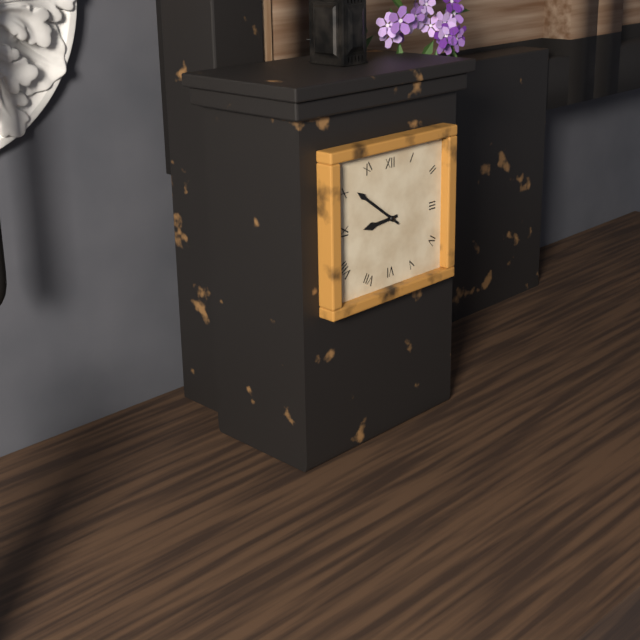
8:51
